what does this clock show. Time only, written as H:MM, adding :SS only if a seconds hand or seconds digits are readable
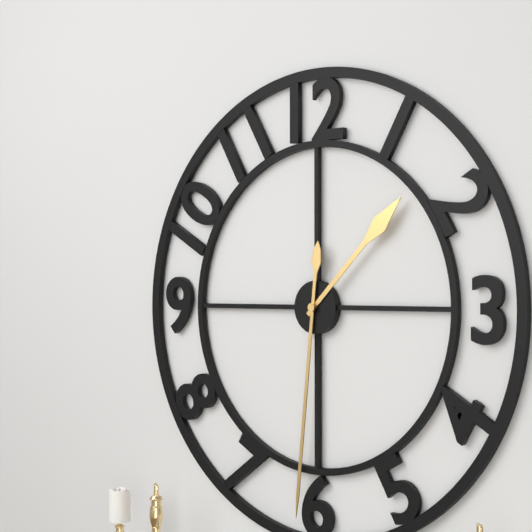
1:31
